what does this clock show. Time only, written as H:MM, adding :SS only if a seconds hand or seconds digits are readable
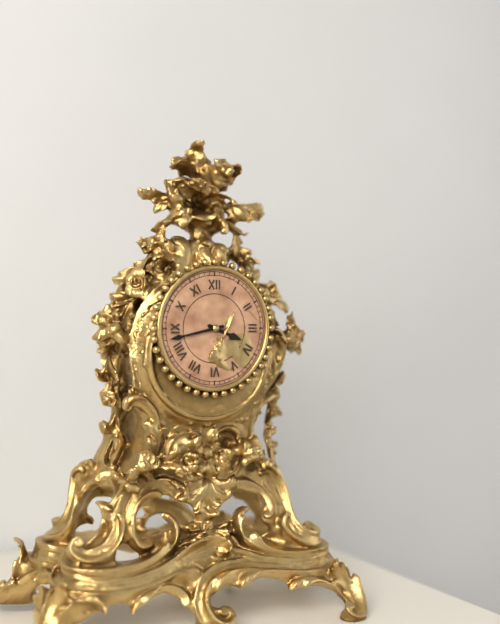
3:43
